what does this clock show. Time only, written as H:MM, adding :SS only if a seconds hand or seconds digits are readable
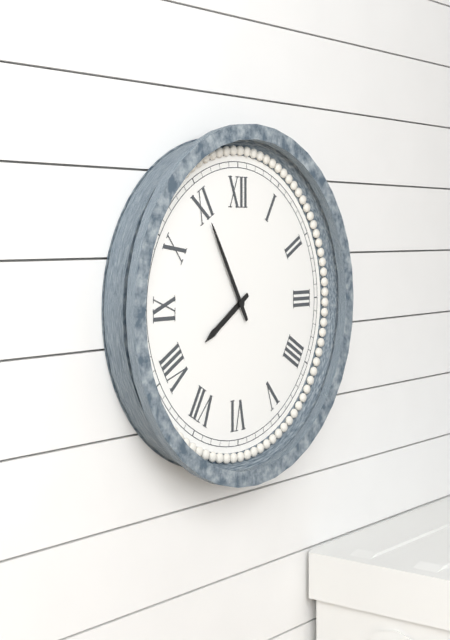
7:55
